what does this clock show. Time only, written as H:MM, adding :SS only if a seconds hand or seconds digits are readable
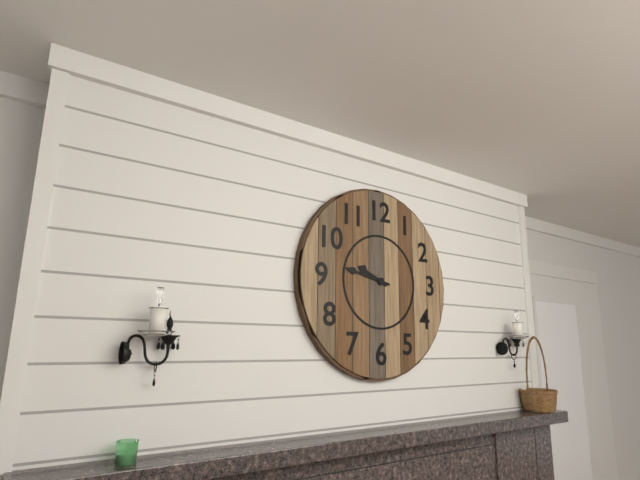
9:47
